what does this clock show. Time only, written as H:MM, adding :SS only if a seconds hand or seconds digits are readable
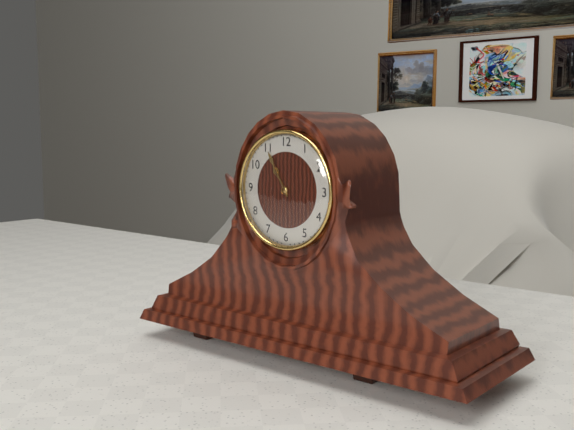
10:55
